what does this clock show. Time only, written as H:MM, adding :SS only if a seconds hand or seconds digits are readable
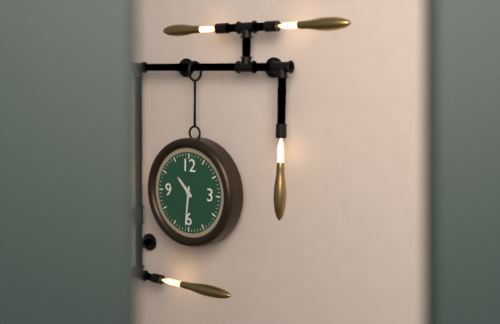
10:31
